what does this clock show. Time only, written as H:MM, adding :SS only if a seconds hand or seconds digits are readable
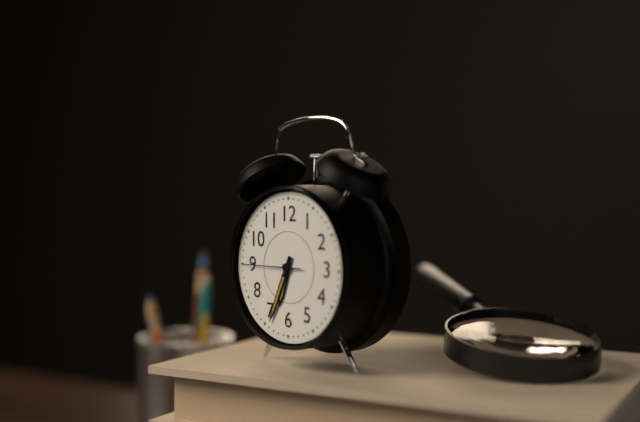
6:34:45
